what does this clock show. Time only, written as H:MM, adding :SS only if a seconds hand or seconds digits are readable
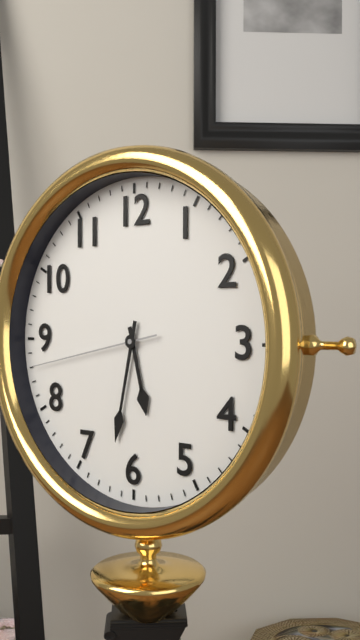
5:32:43
